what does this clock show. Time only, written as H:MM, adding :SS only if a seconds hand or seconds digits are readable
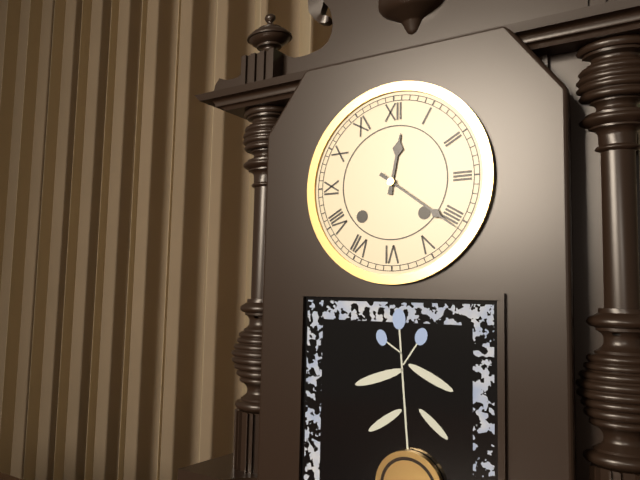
12:21
